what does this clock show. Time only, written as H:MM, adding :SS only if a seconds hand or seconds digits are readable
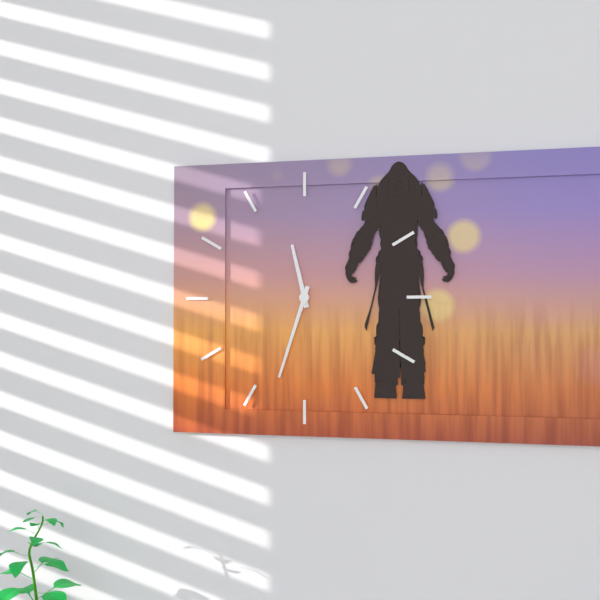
11:33
